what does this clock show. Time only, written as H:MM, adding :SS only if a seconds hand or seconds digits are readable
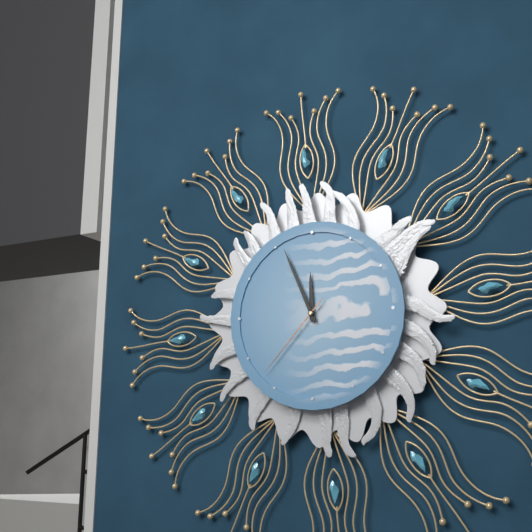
11:56:37
